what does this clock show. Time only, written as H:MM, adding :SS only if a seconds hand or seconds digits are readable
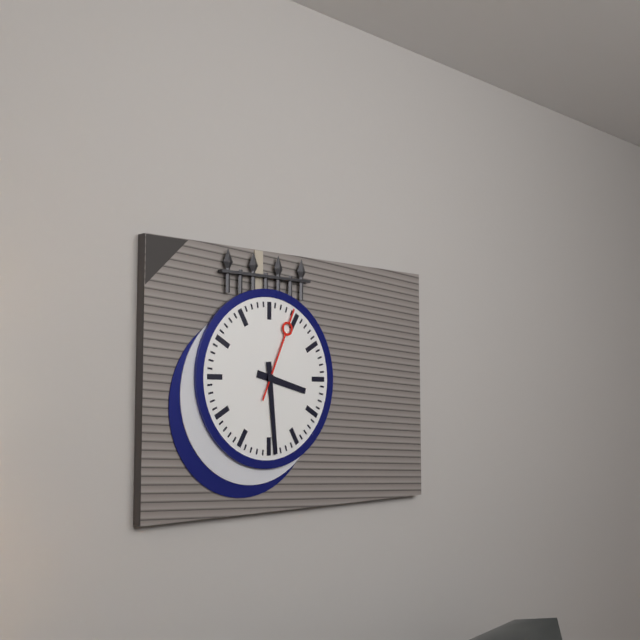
3:29:04
